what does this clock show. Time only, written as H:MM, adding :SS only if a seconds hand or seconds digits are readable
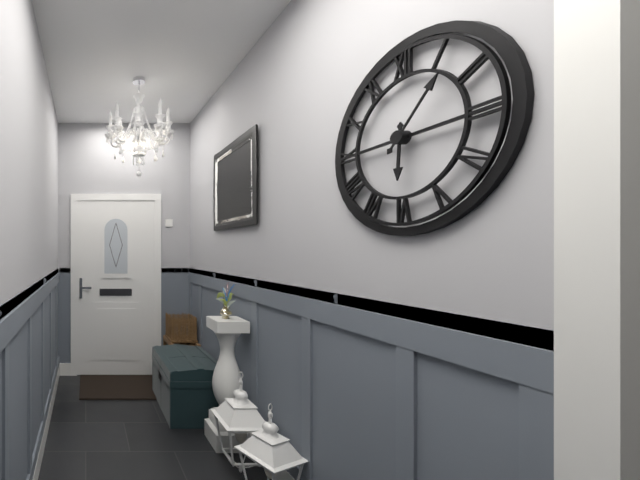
6:07
